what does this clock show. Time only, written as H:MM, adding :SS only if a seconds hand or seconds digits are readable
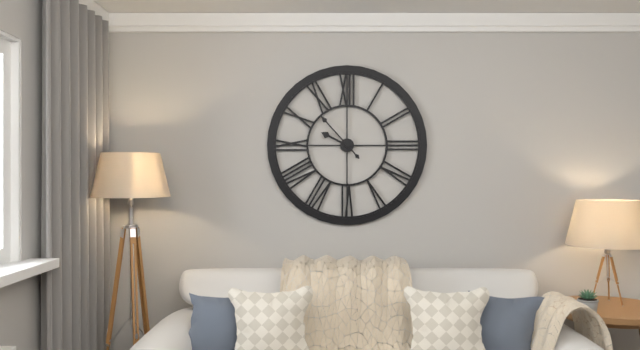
9:53
